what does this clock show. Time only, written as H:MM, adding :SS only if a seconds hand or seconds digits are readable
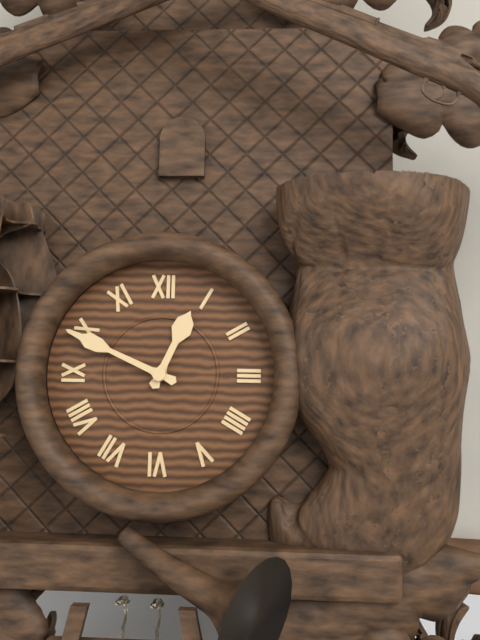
12:49
